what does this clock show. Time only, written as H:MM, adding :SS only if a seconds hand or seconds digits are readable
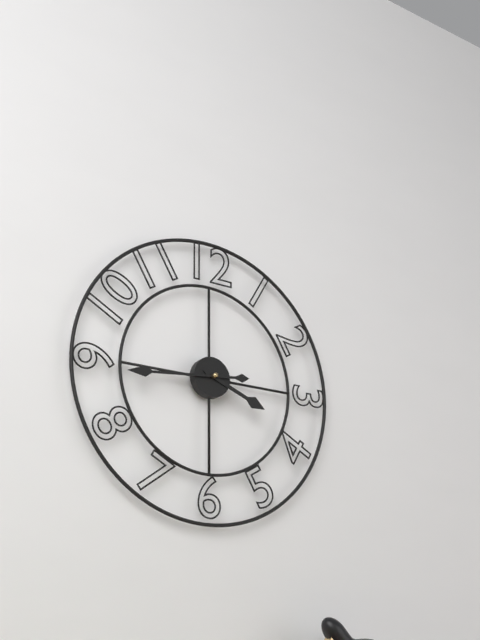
3:44
